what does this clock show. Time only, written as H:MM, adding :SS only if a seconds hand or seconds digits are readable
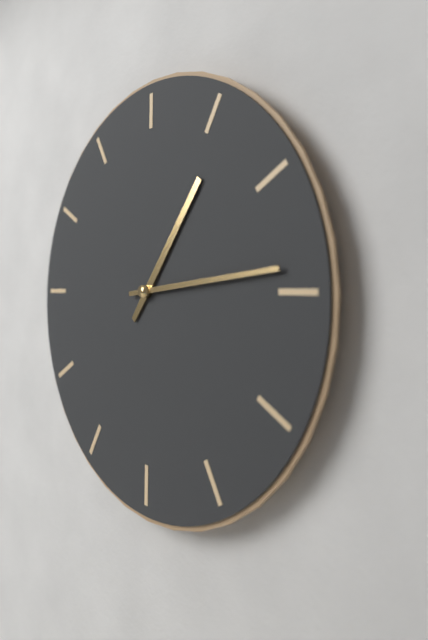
1:14
